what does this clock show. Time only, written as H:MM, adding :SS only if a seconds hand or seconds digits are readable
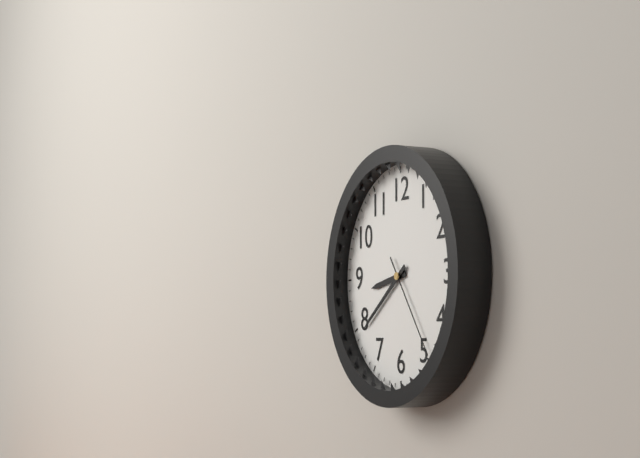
8:39:24
